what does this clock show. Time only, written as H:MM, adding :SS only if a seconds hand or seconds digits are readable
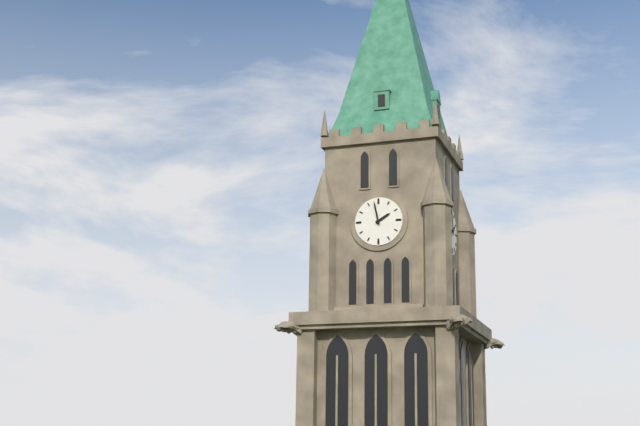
1:58
